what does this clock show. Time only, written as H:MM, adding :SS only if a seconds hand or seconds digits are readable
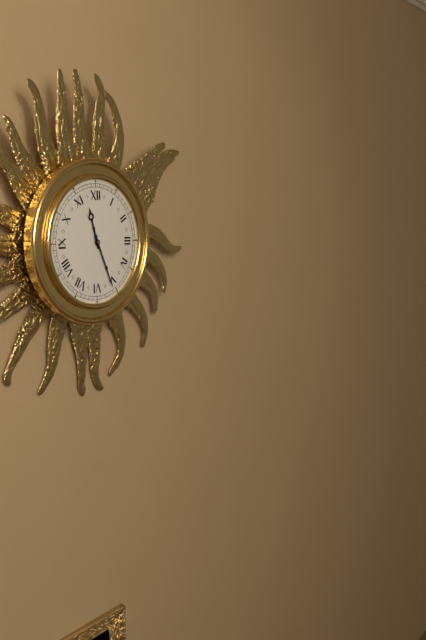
11:26
